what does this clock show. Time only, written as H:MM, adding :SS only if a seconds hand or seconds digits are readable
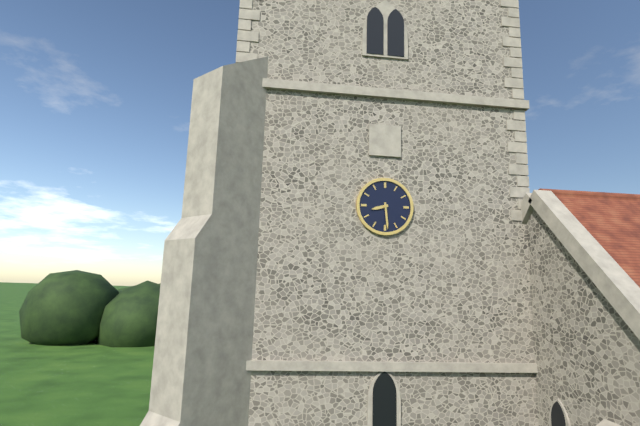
8:29
